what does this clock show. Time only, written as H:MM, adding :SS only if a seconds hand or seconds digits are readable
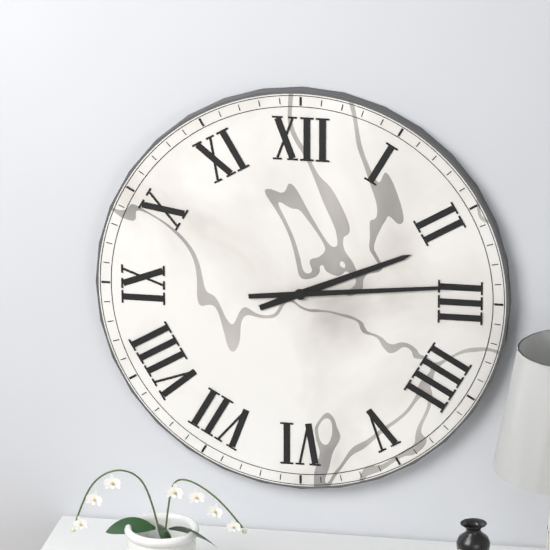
2:14
